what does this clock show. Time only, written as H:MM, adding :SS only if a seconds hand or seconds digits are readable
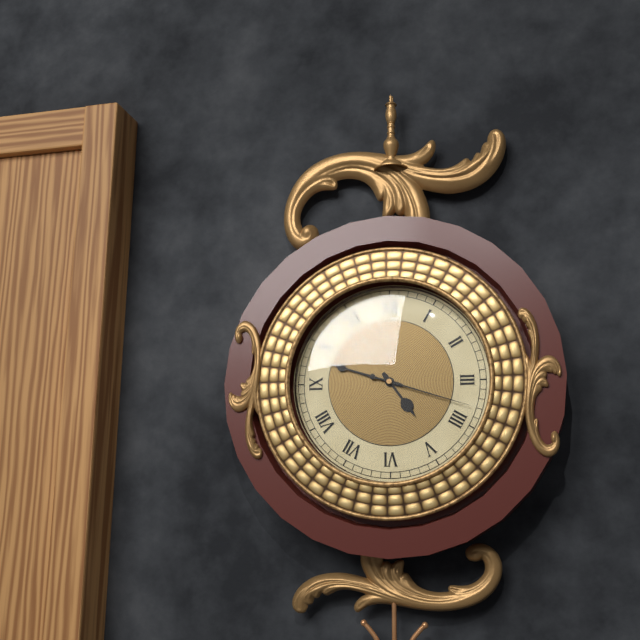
4:48:18
